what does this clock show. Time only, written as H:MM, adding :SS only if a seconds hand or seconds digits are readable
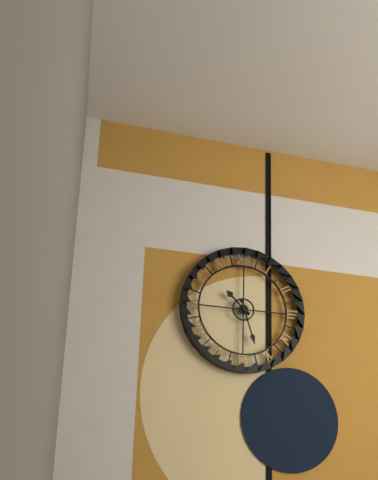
10:27
